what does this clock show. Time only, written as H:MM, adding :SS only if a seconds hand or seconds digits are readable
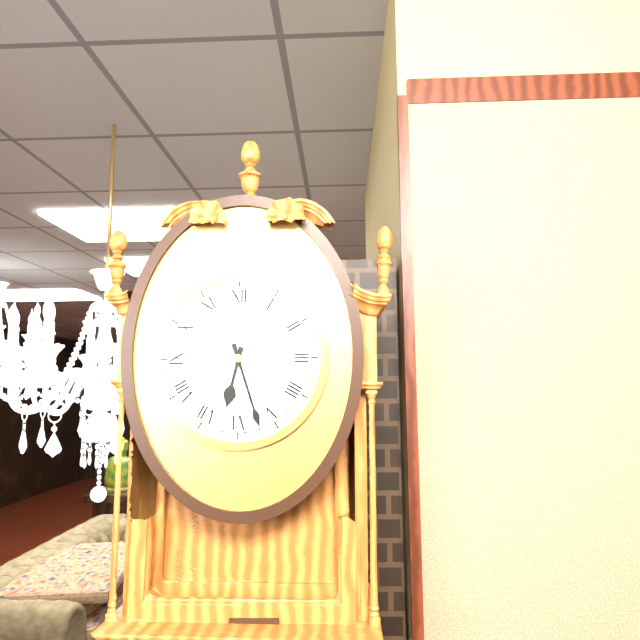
6:27
